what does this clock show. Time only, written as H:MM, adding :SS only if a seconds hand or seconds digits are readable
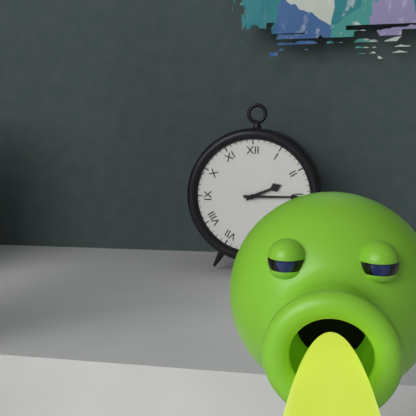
2:15
